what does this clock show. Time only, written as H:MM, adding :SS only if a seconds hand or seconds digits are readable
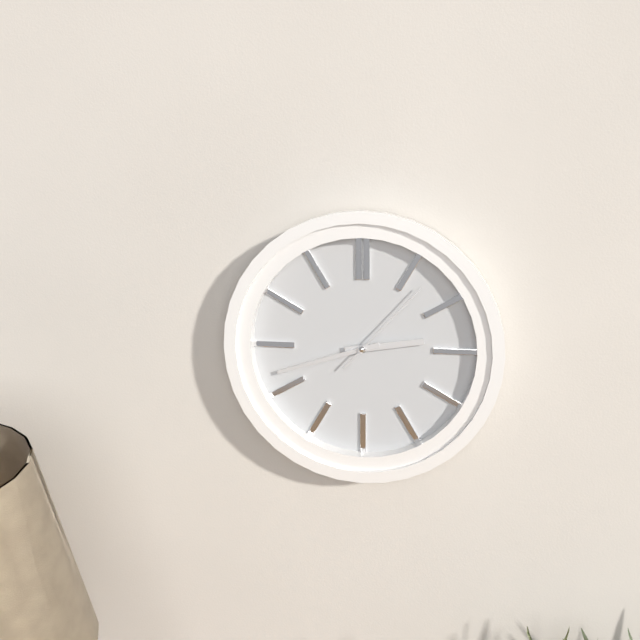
2:42:07
